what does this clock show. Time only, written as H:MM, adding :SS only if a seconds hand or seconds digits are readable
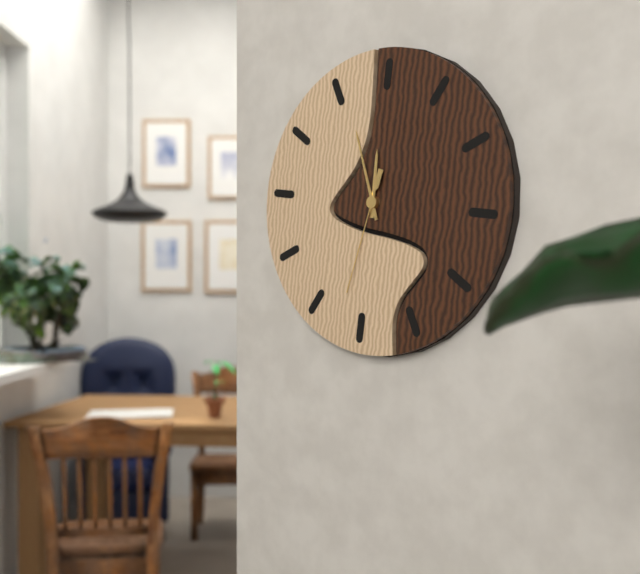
11:56:32
